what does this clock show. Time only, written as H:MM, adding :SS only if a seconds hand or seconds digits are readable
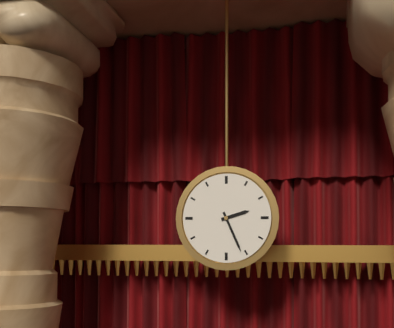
2:26
